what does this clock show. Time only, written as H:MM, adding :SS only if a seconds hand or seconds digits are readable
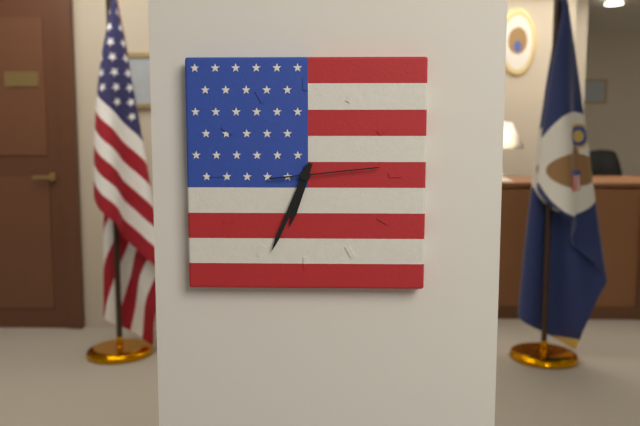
6:34:14
